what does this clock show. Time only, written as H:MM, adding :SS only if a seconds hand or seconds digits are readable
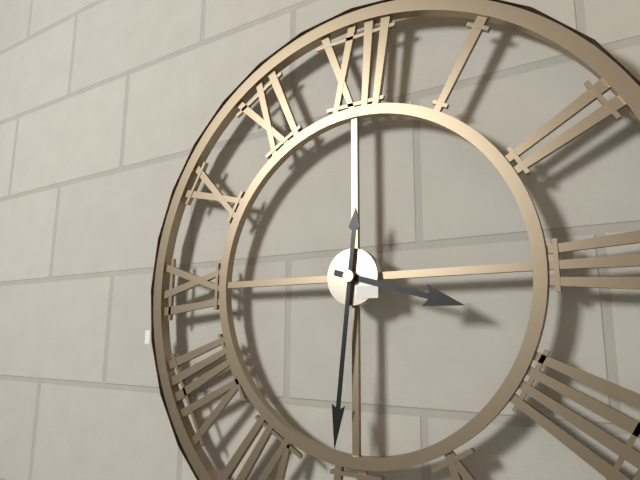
3:31
